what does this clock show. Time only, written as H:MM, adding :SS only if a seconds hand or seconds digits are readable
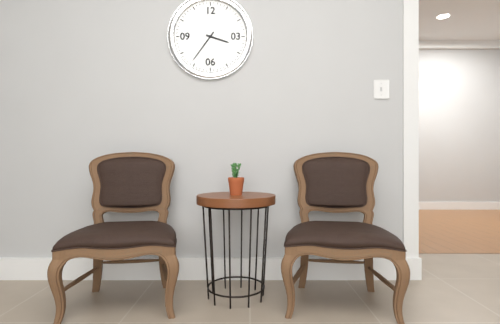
3:36
